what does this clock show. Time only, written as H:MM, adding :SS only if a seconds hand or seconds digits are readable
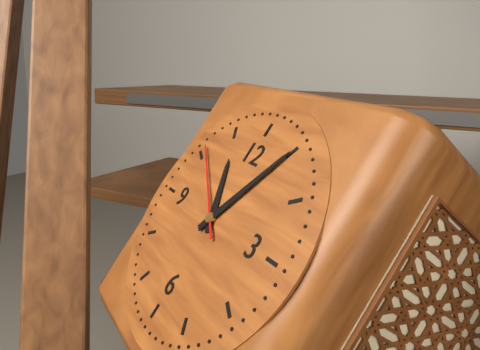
11:05:51
